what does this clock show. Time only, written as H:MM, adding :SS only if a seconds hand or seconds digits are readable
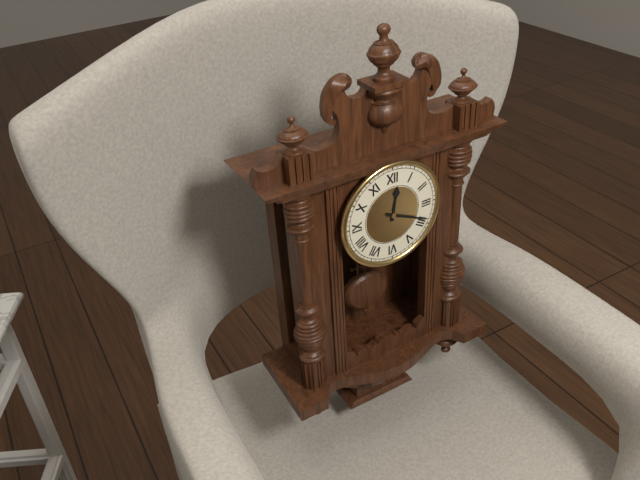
12:19
